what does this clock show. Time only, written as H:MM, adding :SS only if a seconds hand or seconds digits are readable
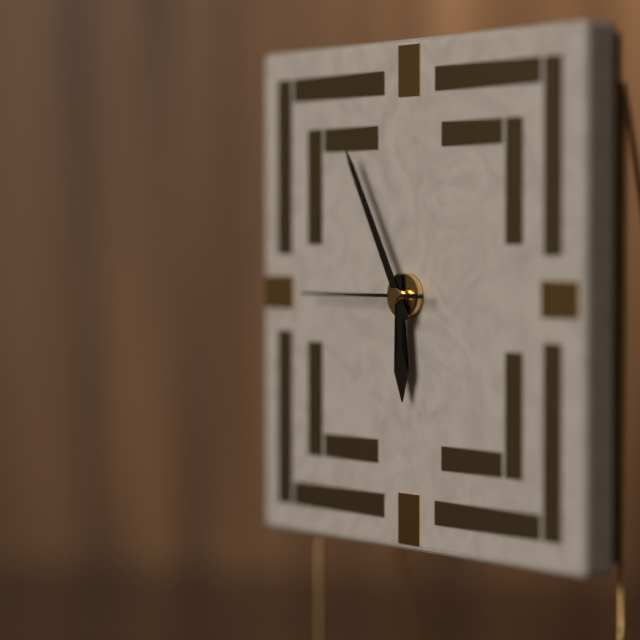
5:55:45
